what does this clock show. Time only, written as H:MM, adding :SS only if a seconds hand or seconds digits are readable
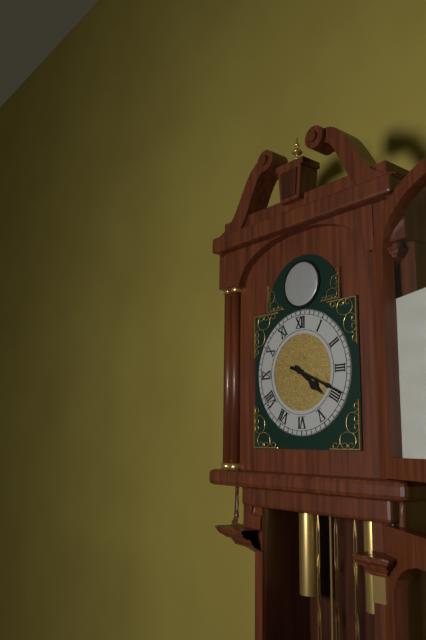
4:19
